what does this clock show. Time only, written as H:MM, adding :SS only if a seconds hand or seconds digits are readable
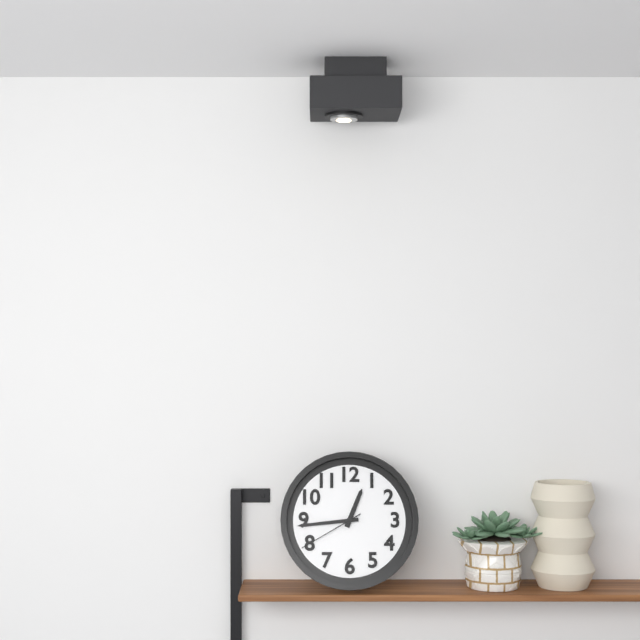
12:44:40
